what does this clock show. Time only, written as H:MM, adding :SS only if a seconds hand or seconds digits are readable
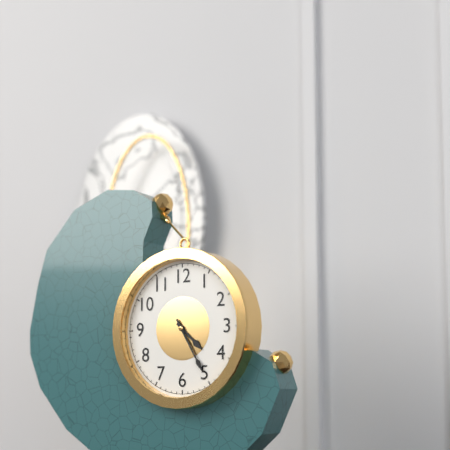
4:25
